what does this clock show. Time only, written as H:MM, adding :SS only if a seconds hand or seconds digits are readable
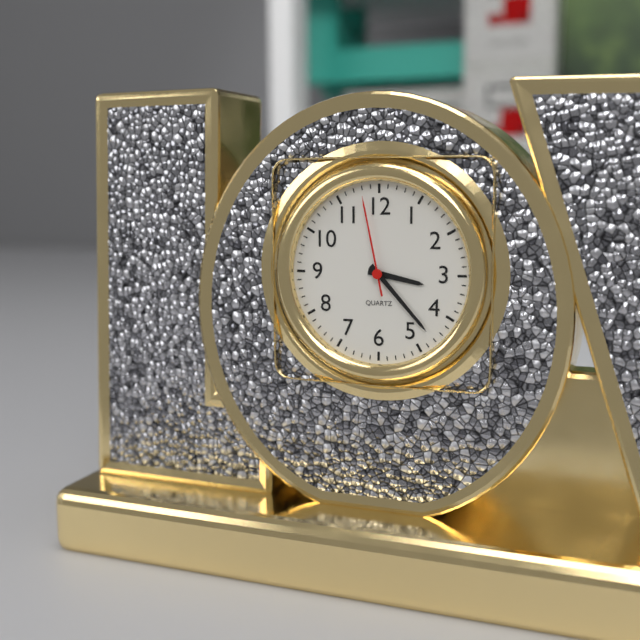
3:23:58
